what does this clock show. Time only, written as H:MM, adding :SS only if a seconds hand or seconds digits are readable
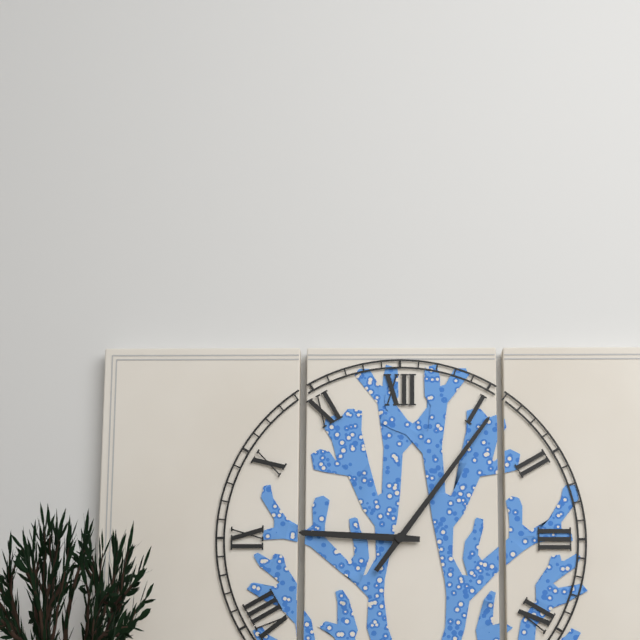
9:06
